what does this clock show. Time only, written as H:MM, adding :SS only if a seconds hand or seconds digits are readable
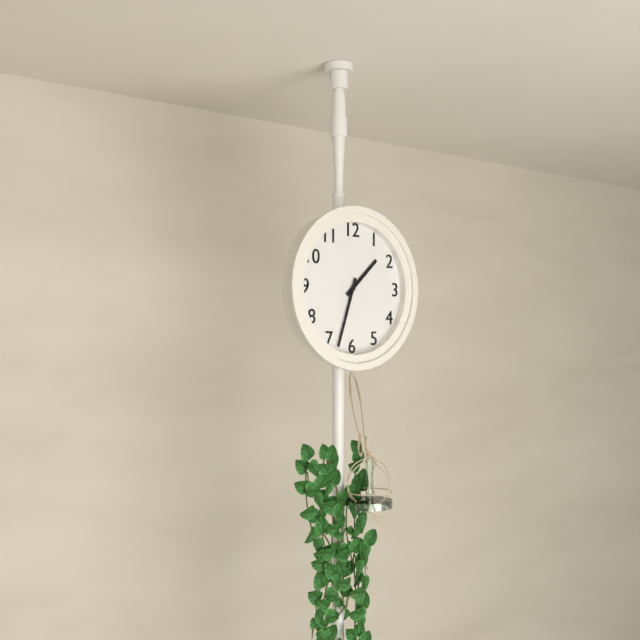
1:33
